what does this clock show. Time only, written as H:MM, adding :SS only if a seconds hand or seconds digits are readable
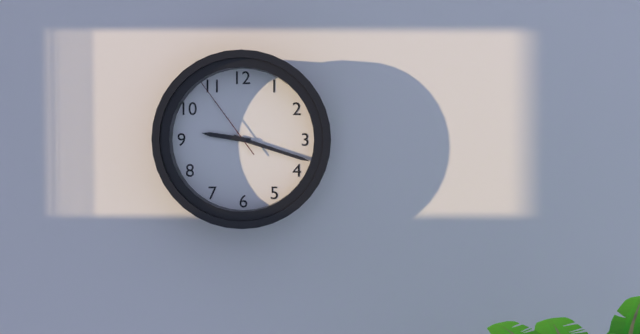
9:18:54
